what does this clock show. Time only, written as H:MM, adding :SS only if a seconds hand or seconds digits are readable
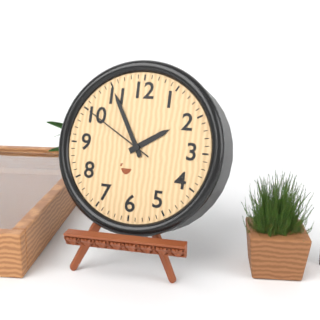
1:55:50
